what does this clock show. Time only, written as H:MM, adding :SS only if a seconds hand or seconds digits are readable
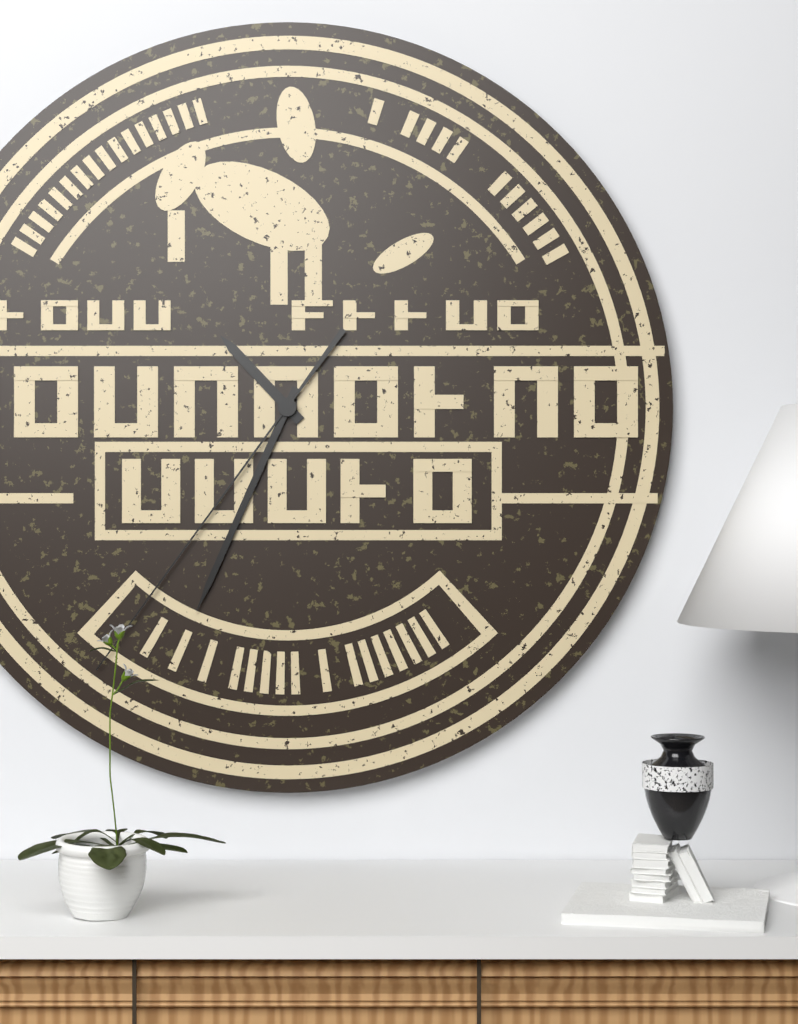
10:34:36
